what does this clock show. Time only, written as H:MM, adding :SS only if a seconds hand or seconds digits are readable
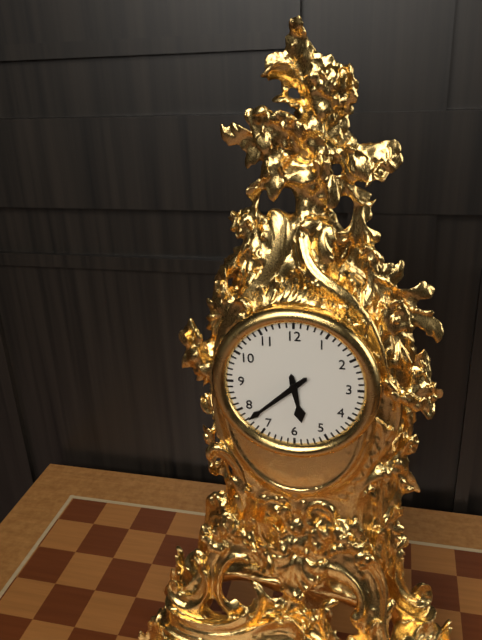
5:38
